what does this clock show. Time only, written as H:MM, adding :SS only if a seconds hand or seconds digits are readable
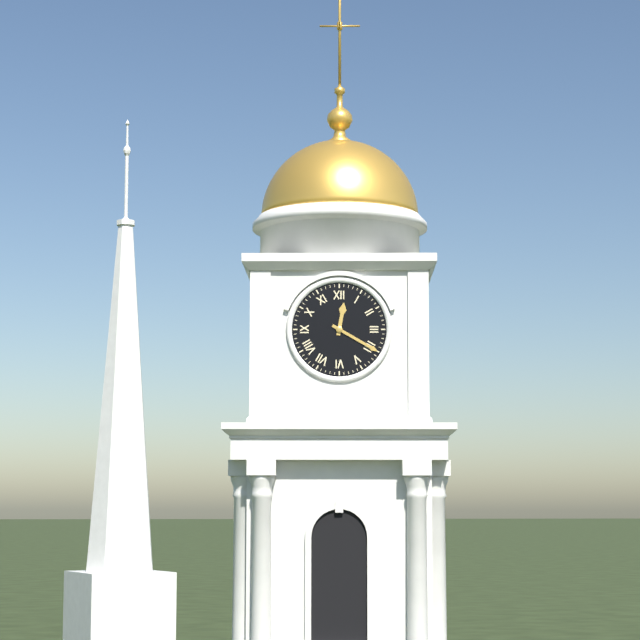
12:20
